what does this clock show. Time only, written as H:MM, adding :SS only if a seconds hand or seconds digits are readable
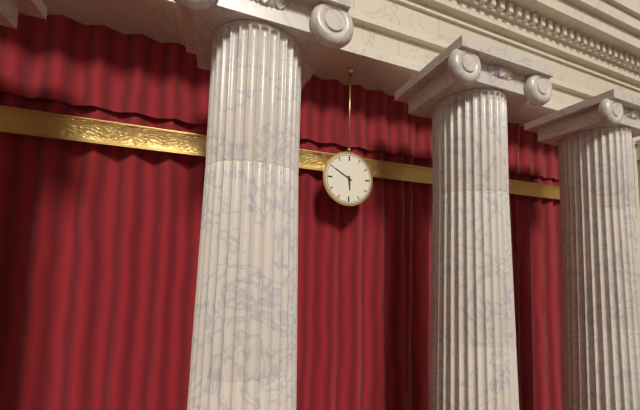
5:50
